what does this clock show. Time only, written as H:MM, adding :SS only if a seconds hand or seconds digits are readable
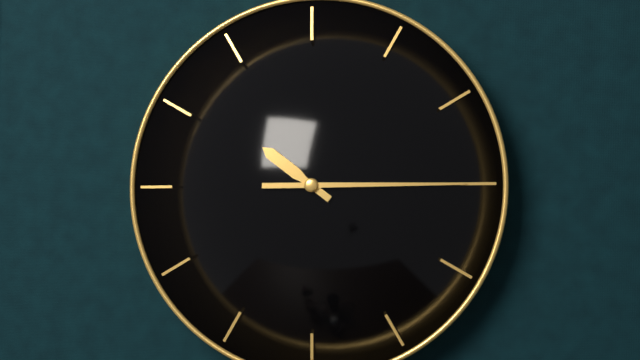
10:15
